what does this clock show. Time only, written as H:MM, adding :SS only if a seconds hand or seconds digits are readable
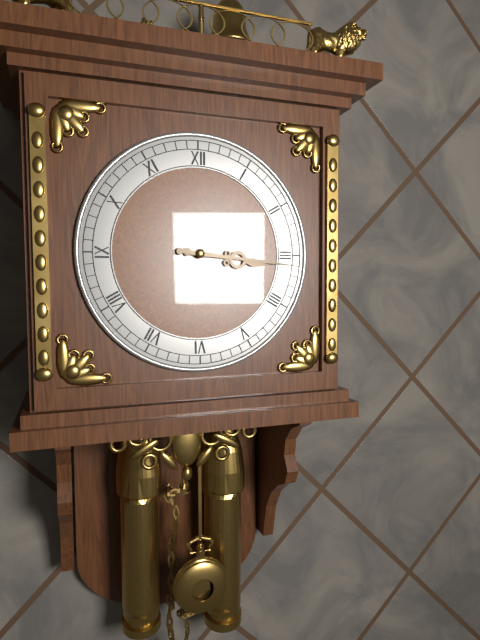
3:16
